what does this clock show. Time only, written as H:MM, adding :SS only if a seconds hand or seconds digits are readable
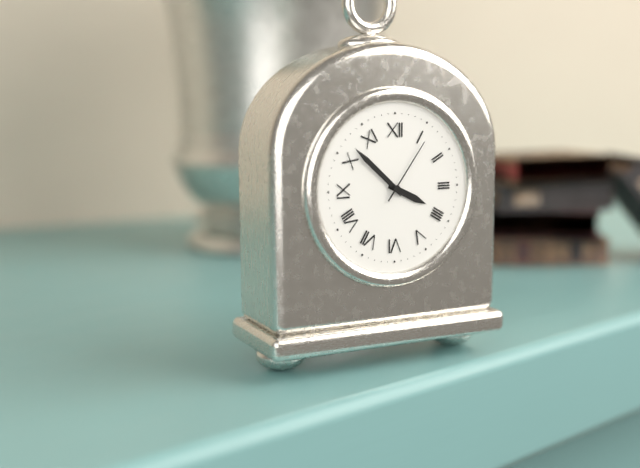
3:52:06
